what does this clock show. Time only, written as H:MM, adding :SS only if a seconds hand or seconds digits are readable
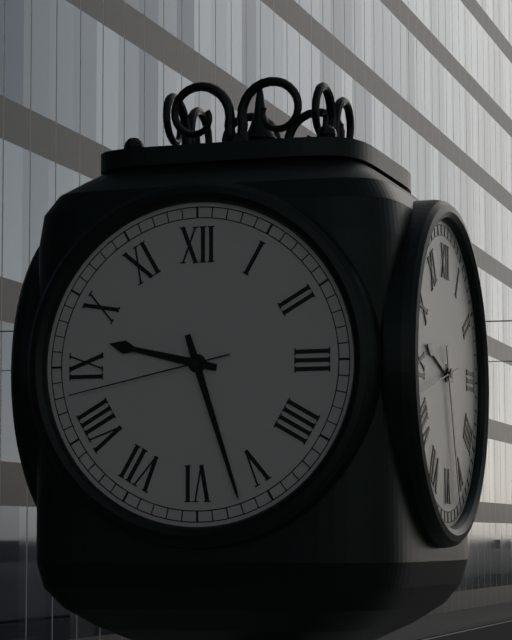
9:27:43
